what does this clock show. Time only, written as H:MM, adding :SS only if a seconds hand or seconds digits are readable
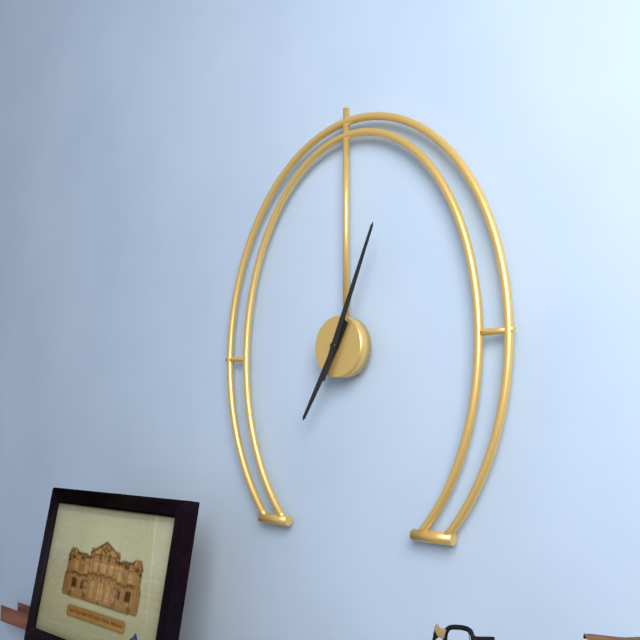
7:04
